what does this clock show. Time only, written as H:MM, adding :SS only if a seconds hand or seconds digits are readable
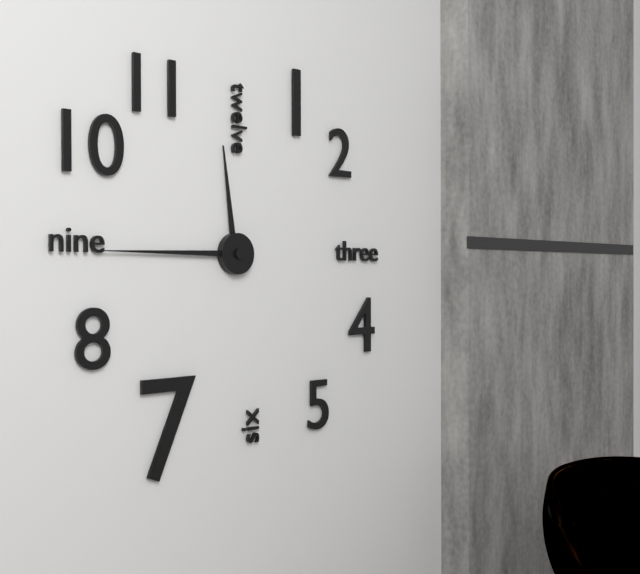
11:45
